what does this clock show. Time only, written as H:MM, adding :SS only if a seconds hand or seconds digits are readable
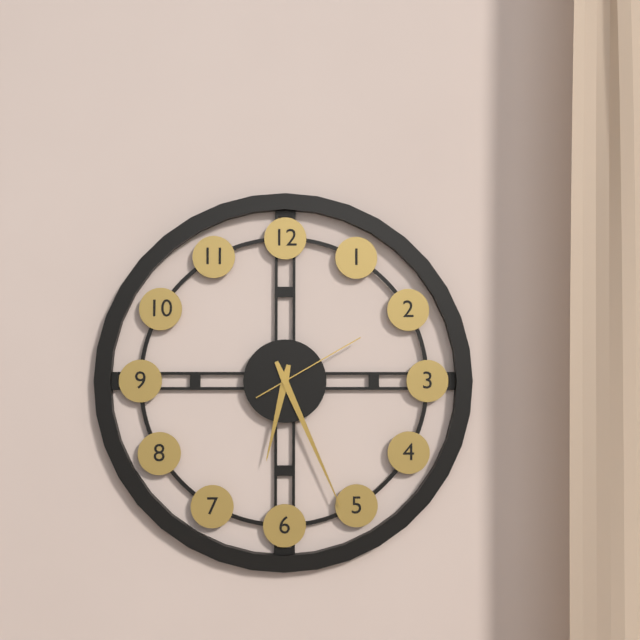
6:26:10
